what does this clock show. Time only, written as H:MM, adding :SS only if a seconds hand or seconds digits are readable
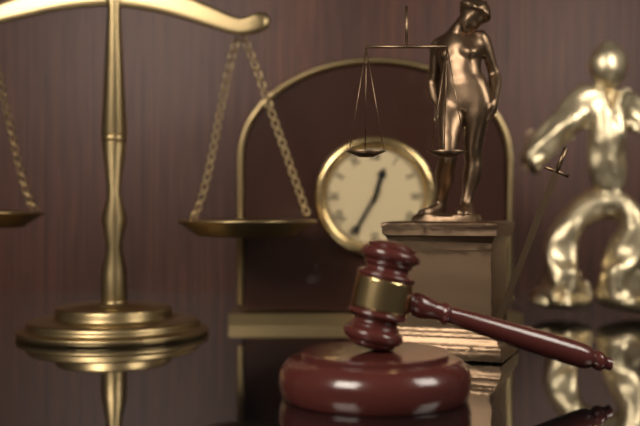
12:35
